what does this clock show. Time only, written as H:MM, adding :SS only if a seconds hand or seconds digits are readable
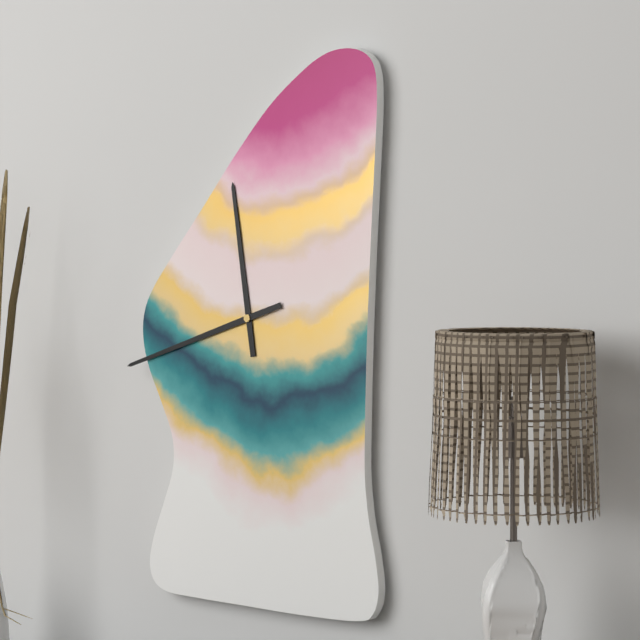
11:42
